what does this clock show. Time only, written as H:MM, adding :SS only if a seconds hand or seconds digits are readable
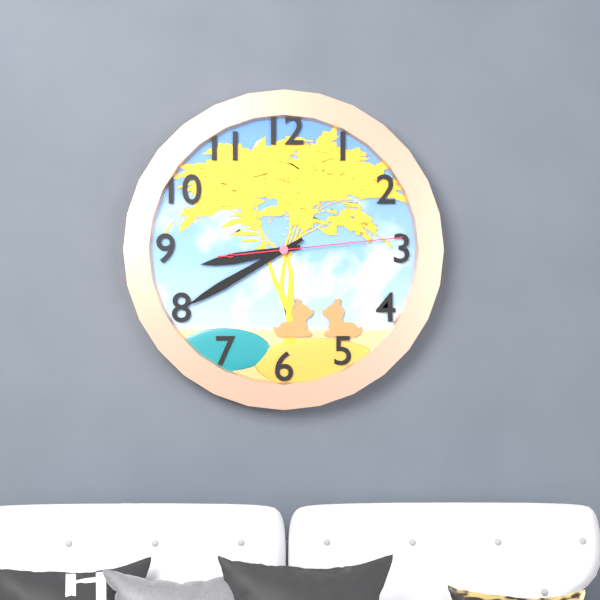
8:40:14
